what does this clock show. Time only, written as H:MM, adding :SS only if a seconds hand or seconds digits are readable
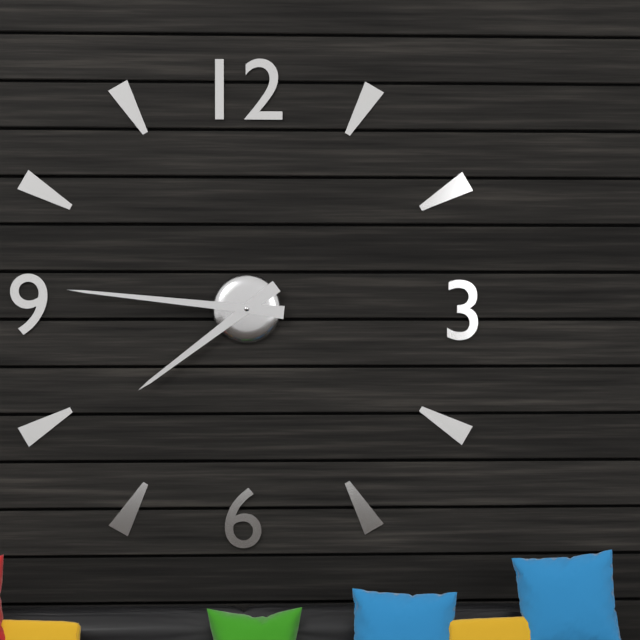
7:46
